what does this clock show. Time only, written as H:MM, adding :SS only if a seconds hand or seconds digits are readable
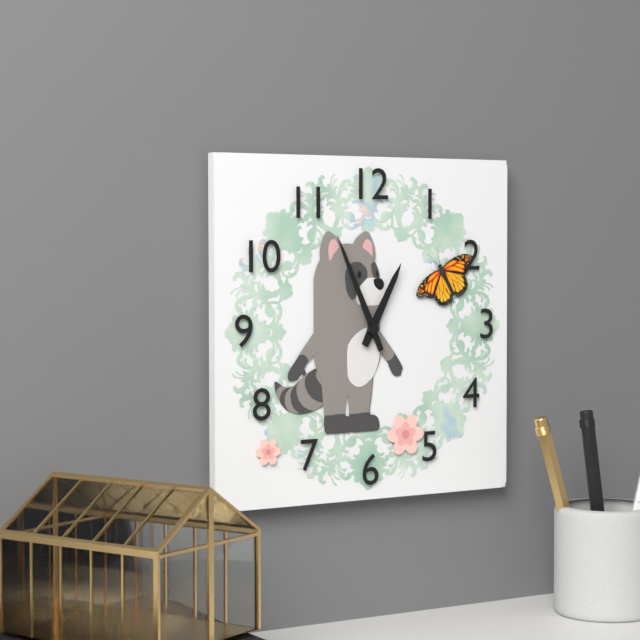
12:56
